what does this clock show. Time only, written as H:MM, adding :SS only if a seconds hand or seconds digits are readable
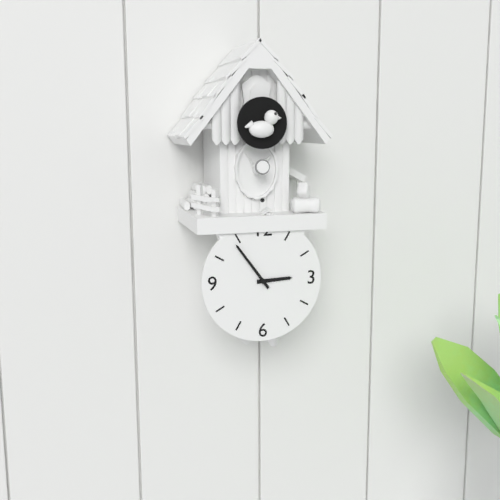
2:54
